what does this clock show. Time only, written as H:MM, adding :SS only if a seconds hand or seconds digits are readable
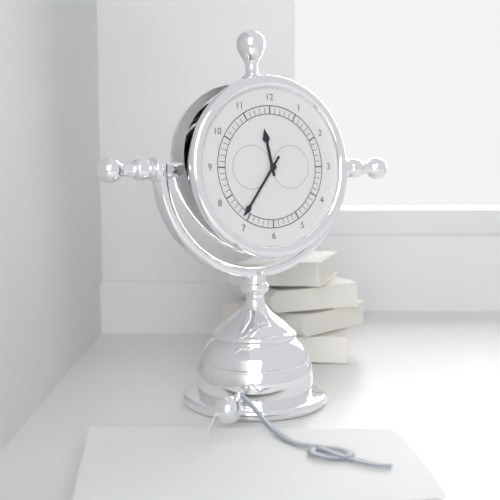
11:36
